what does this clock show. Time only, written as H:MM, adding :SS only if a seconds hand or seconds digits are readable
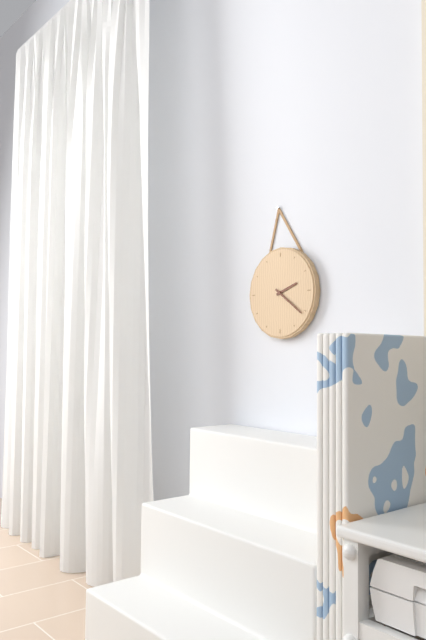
2:21
